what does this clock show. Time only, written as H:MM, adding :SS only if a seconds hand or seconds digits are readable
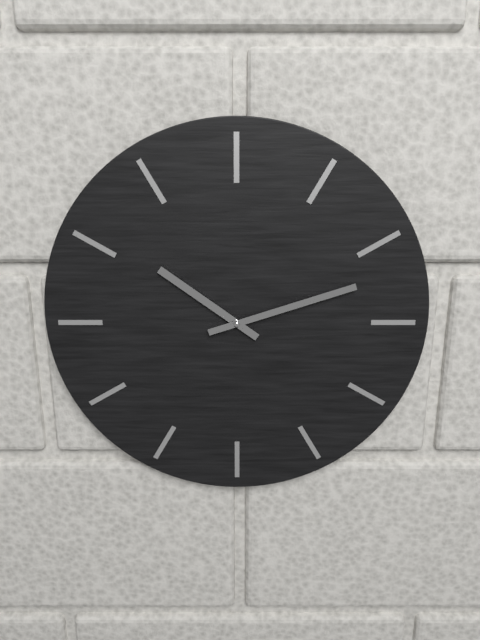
10:12
